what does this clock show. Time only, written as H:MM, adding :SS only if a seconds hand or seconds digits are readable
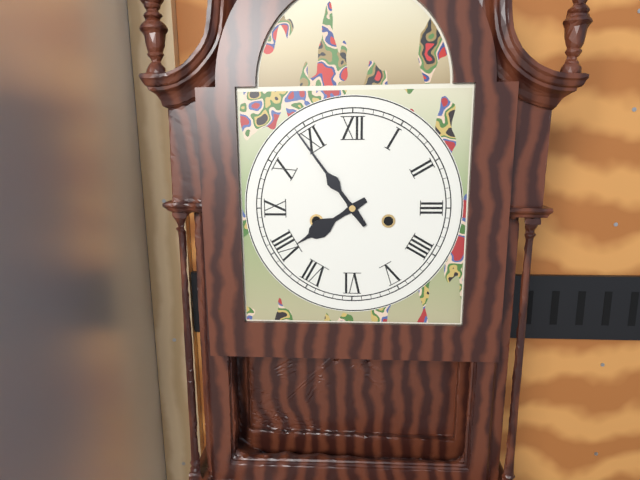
7:54
